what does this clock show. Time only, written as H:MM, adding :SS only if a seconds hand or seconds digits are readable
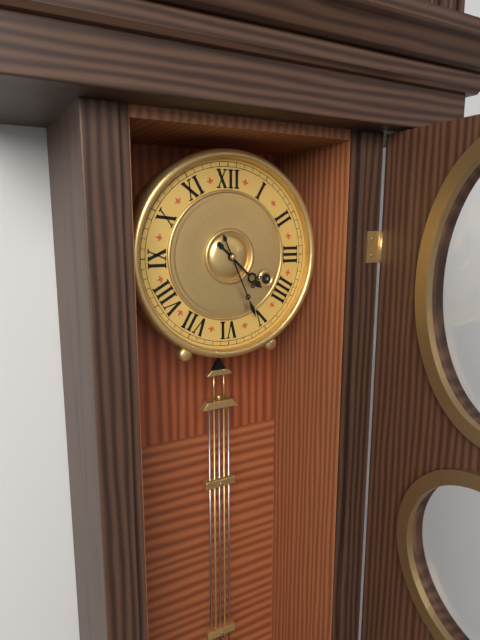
4:26
